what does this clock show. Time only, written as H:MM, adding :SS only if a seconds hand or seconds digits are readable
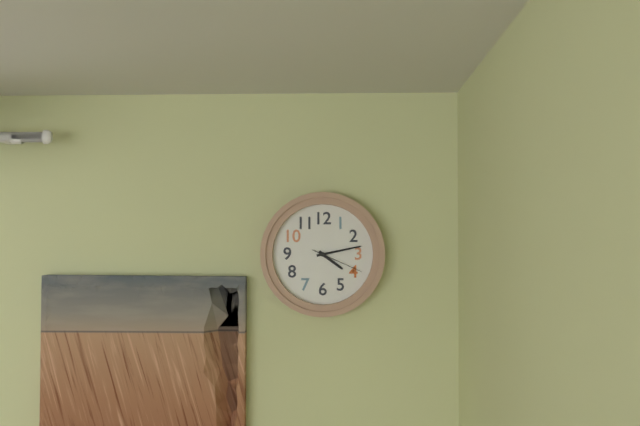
4:13:19
